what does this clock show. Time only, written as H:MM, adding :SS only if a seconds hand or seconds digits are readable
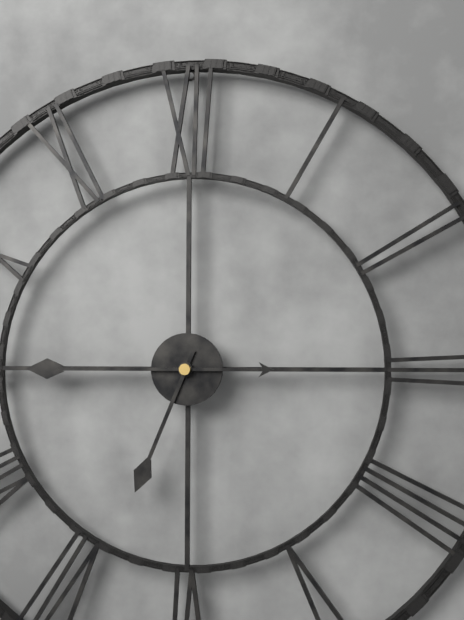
6:45
